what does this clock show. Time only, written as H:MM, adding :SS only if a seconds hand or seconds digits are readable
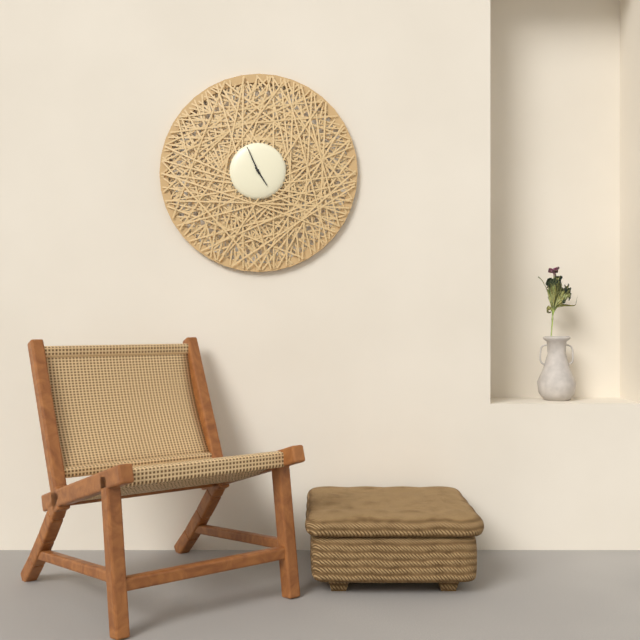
4:56
